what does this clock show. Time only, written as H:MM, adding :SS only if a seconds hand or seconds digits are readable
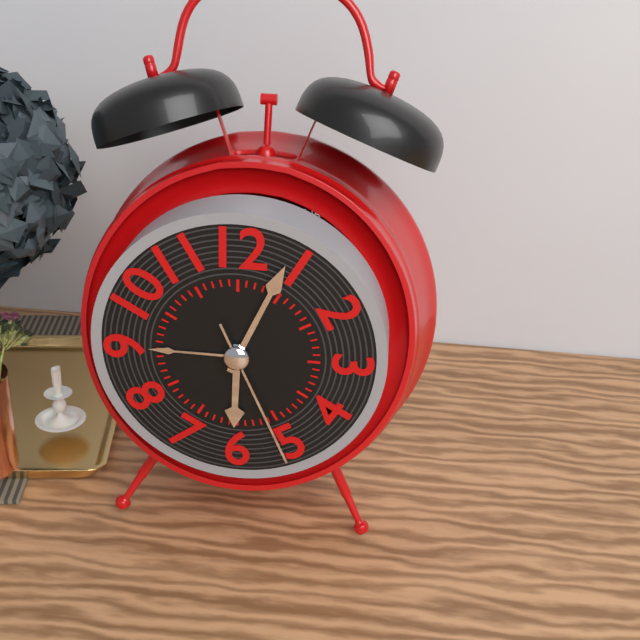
6:04:26
